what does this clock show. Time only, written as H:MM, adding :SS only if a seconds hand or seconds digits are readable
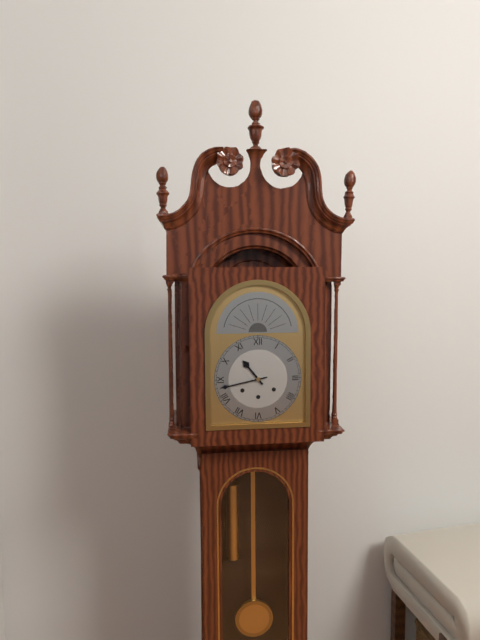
10:43
